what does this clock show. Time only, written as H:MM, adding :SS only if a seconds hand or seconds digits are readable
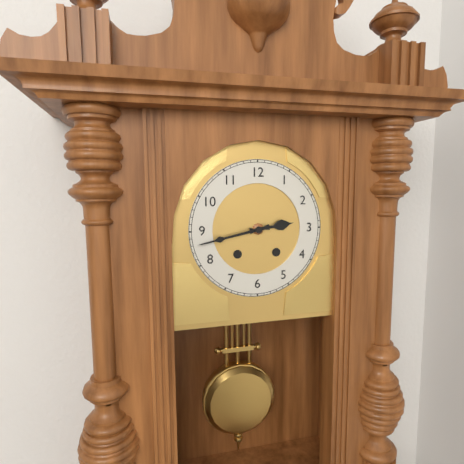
2:43
